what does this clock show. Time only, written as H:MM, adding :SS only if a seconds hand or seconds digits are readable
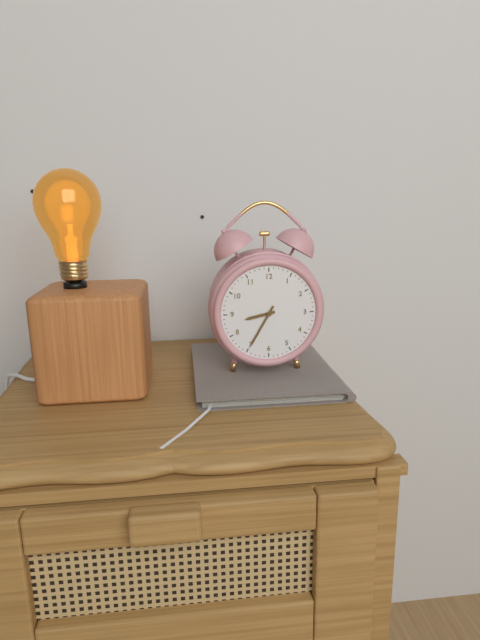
8:35
